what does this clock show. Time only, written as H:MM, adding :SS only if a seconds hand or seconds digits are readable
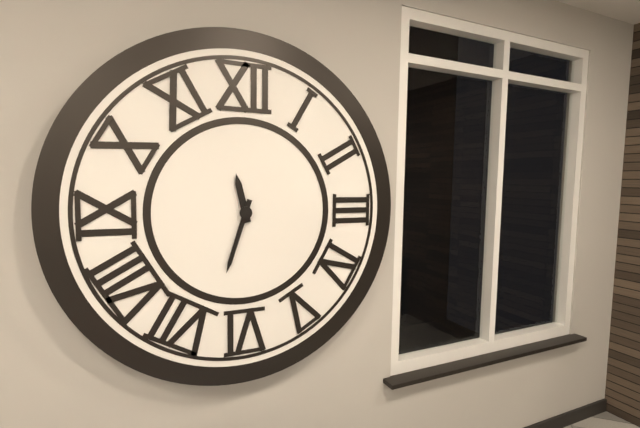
11:33
